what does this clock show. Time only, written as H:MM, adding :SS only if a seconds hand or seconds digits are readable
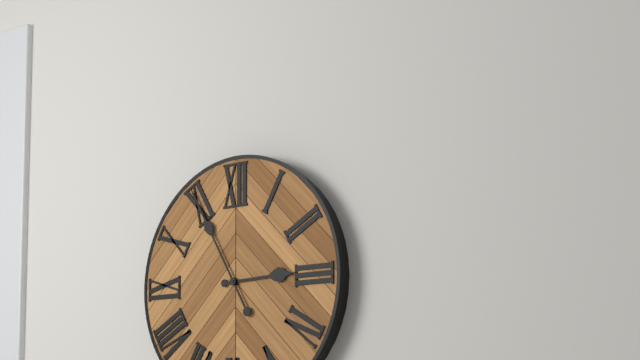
2:55
